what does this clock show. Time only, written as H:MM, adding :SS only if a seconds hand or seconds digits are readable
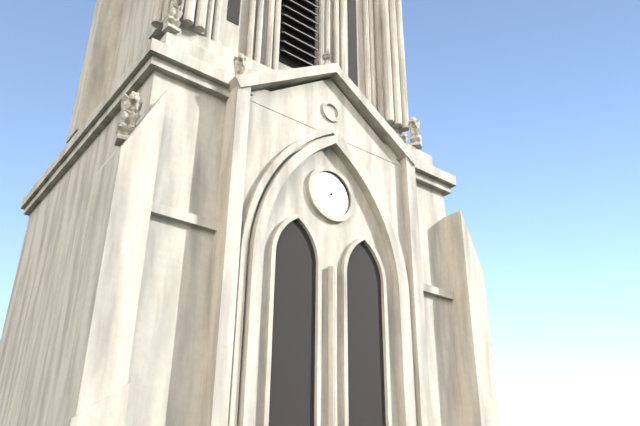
7:28
